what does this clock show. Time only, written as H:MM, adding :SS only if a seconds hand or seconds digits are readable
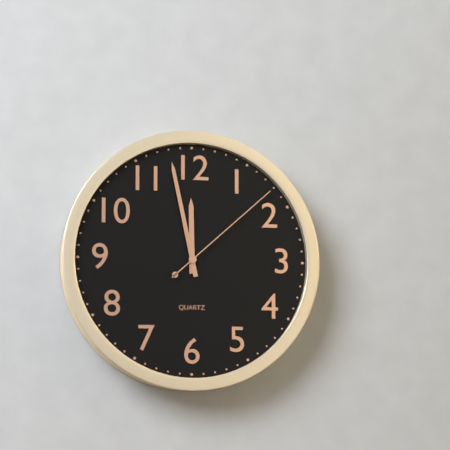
11:58:08
